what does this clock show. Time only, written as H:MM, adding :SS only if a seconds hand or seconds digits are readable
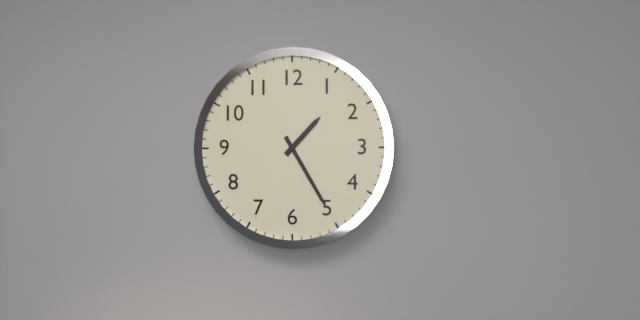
1:25
